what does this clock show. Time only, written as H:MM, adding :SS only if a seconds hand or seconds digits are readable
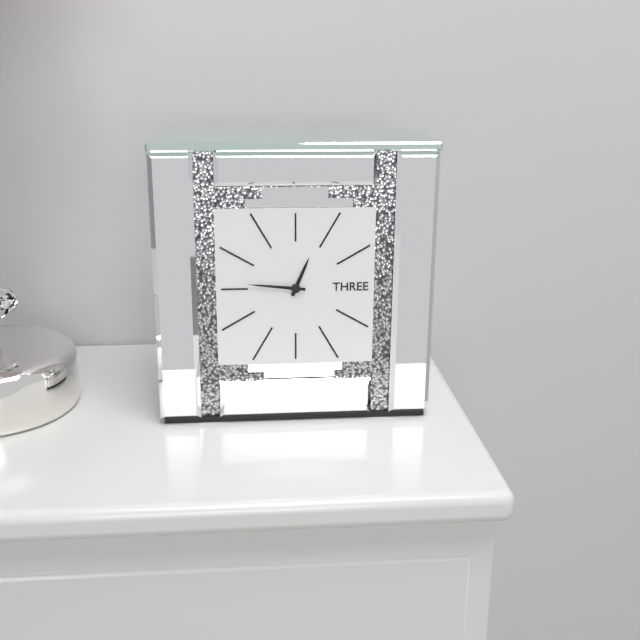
12:46
